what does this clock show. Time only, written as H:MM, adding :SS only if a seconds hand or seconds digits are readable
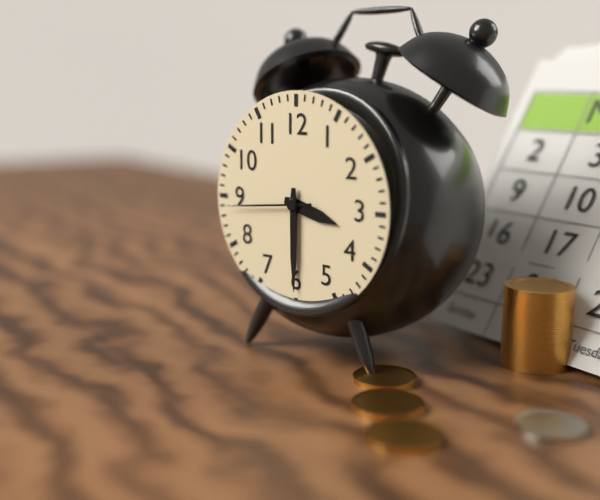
3:30:44
